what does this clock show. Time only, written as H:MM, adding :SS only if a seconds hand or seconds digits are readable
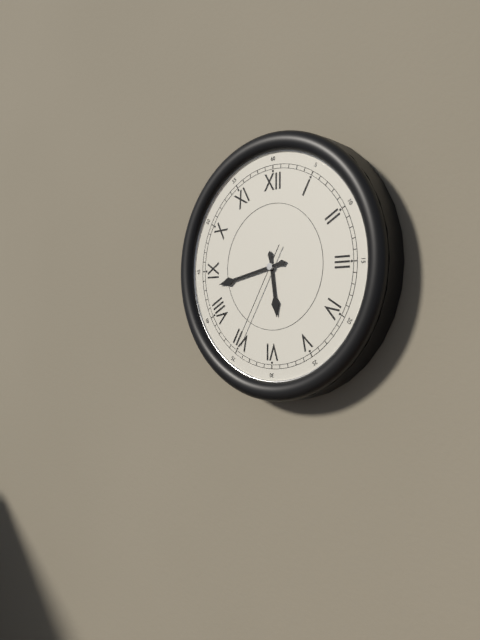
5:43:35
